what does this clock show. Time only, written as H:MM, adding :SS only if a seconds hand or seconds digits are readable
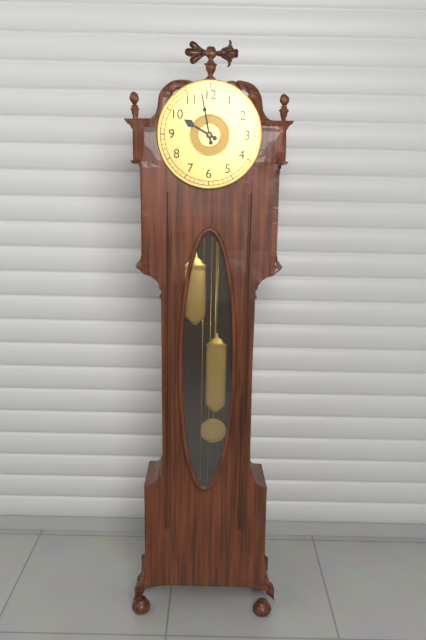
9:58
